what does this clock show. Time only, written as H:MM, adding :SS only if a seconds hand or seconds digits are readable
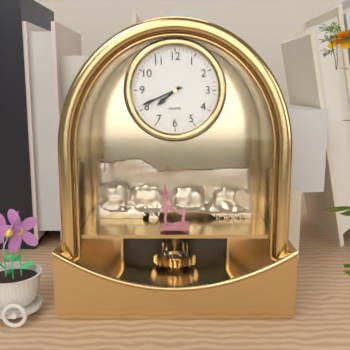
7:41
